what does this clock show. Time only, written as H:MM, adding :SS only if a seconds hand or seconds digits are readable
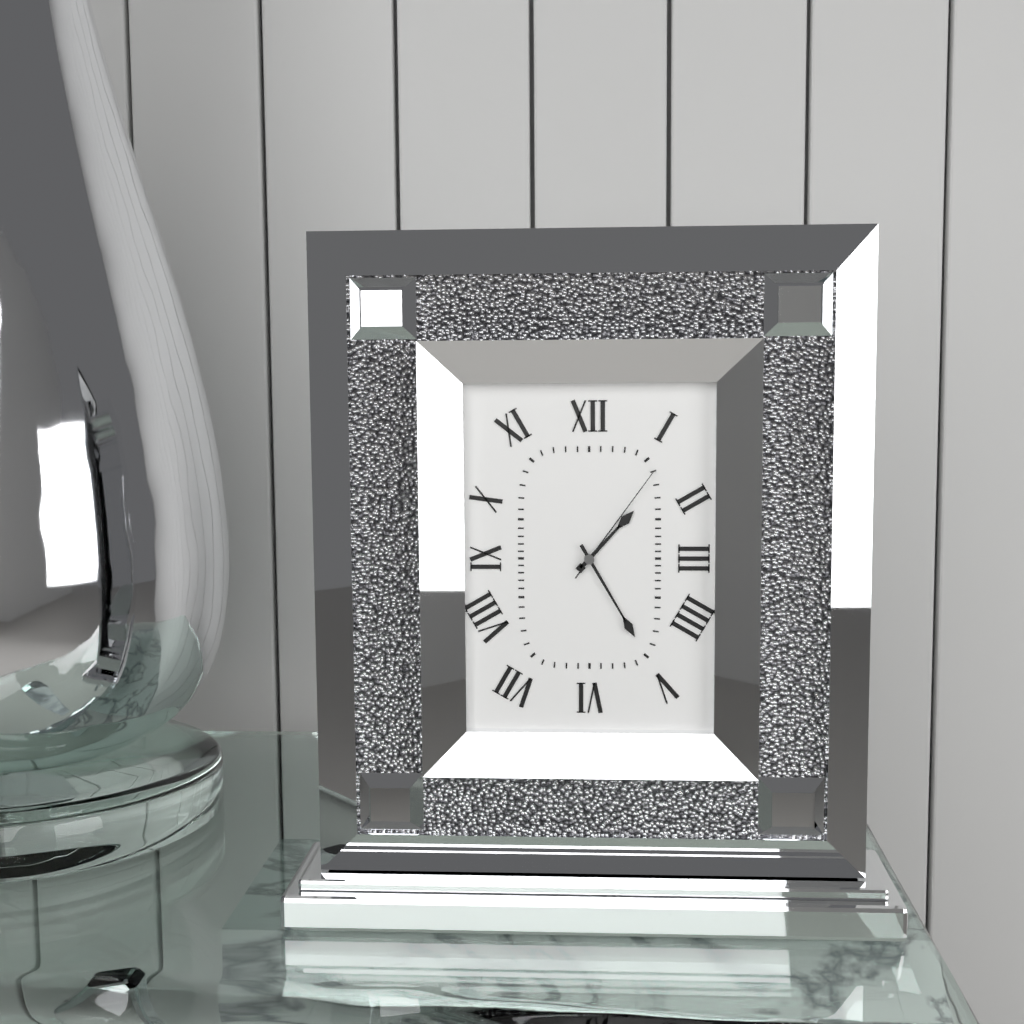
1:25:06
